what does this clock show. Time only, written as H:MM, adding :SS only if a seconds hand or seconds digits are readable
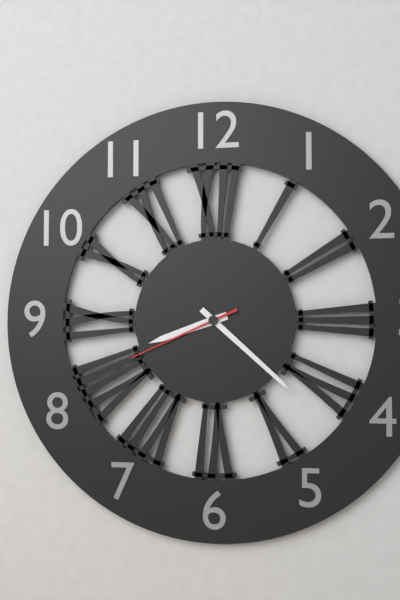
8:22:41
